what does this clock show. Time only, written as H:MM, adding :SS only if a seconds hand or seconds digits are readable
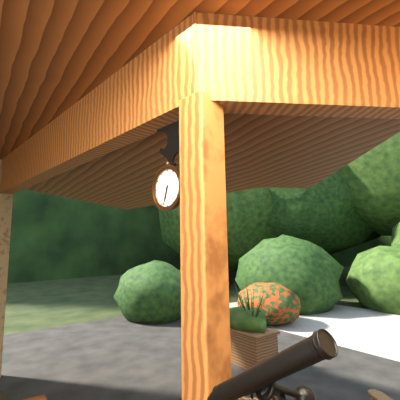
6:33
